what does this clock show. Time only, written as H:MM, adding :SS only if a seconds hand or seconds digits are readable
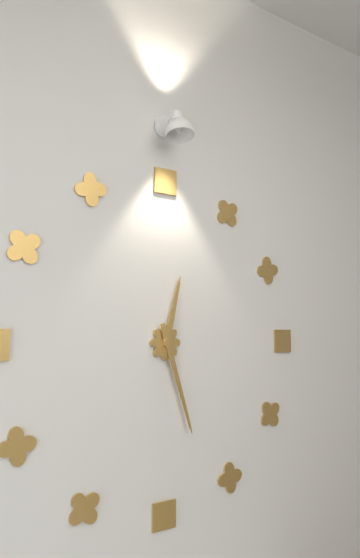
12:27
